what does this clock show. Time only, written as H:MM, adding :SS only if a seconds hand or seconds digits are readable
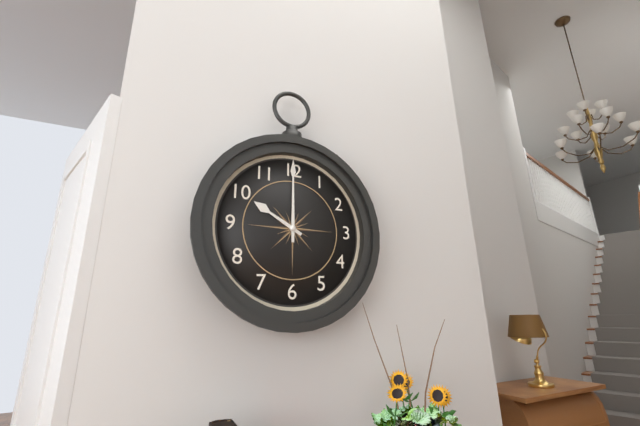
10:00
